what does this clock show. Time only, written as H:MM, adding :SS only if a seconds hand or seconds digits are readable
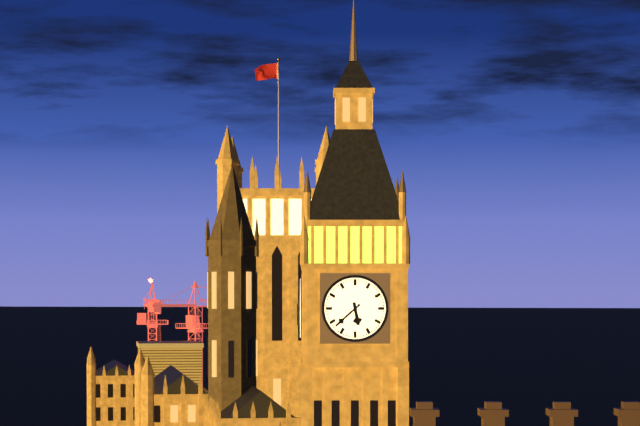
5:38
